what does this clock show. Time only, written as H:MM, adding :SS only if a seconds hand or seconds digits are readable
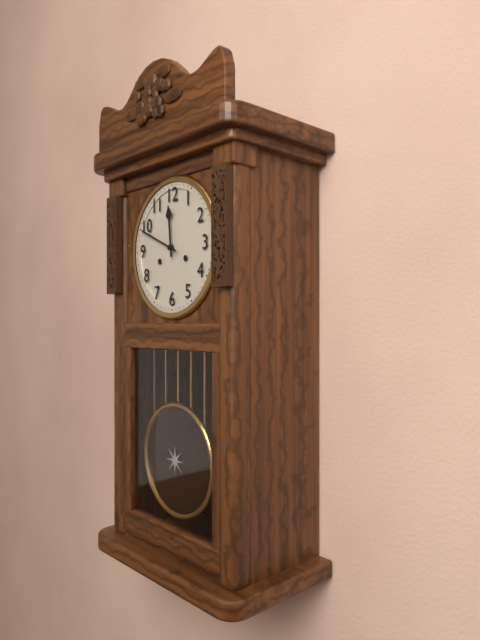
11:49
